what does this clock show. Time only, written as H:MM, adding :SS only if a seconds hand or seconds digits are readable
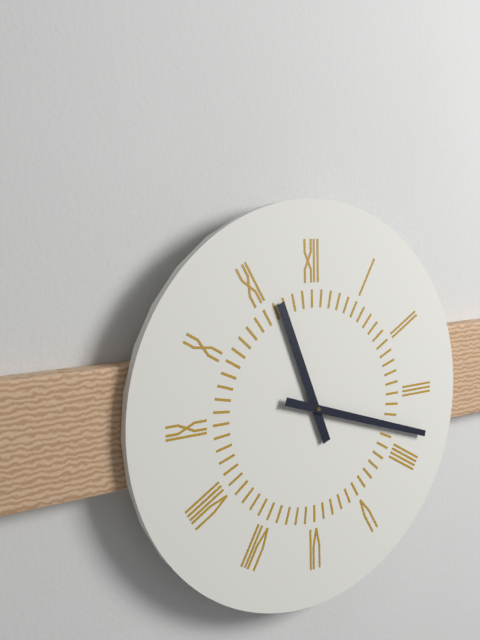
11:18
